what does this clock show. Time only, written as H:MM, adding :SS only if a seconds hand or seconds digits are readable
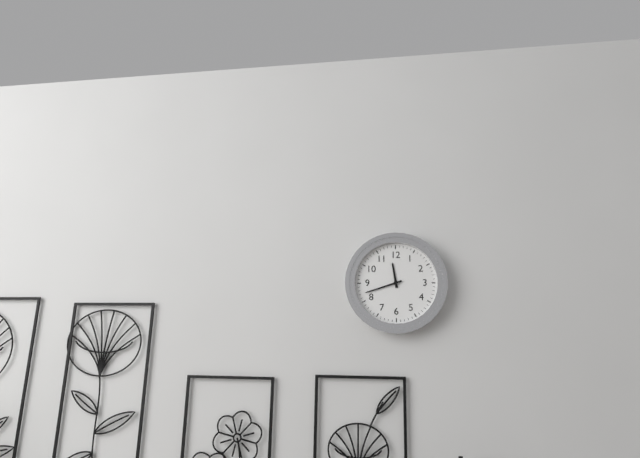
11:42
